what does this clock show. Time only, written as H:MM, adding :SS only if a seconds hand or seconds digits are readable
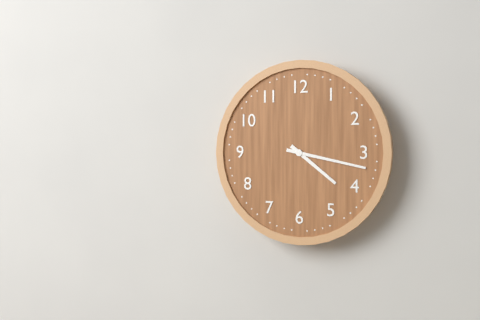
4:17
